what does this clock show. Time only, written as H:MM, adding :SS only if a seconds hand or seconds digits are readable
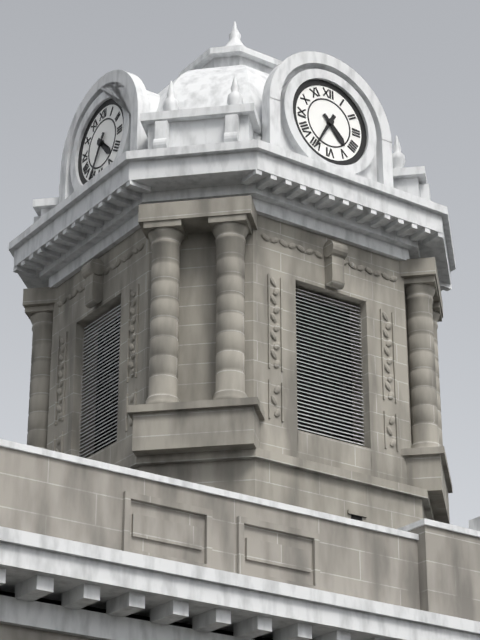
4:35
